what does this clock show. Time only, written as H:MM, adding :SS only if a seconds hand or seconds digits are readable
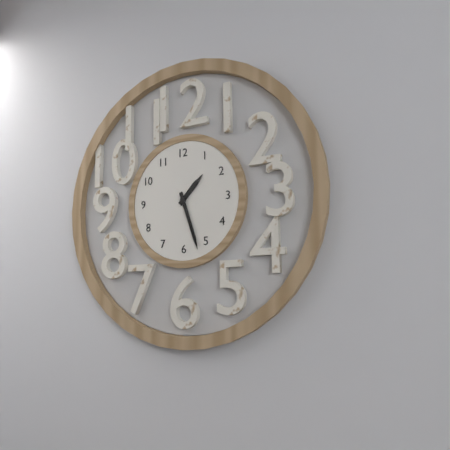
1:27
